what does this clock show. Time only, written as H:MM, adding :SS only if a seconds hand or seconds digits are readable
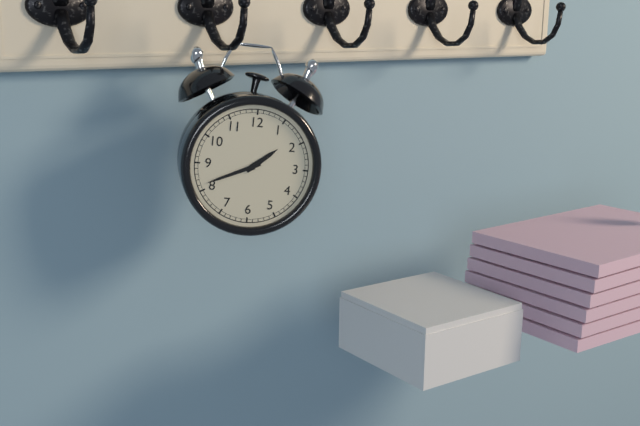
1:41
